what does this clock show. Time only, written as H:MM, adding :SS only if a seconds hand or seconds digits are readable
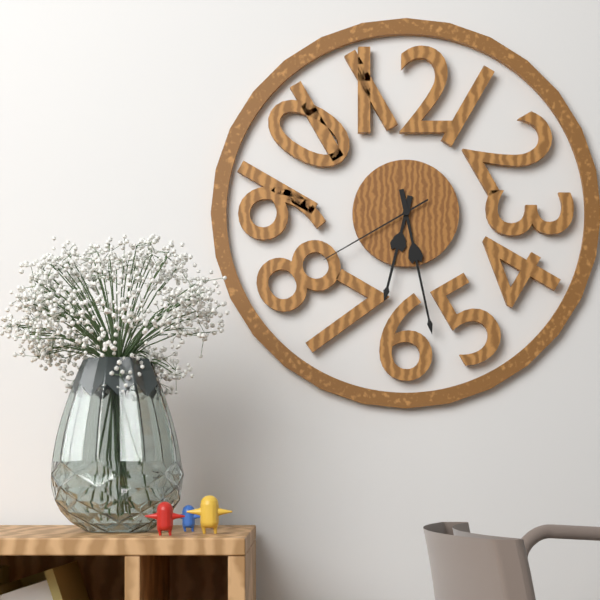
6:28:40
